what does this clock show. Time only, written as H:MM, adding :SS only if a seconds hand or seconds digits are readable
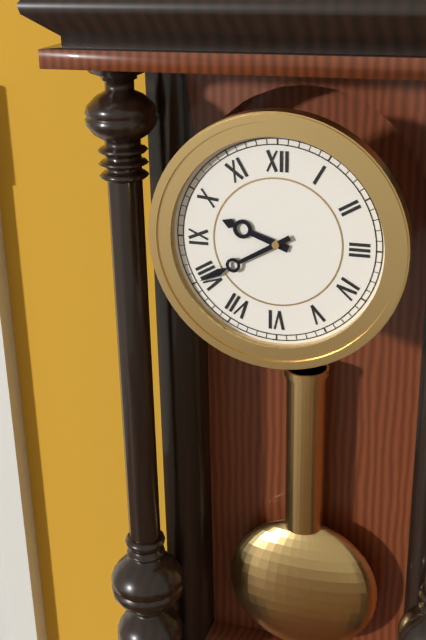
9:40
